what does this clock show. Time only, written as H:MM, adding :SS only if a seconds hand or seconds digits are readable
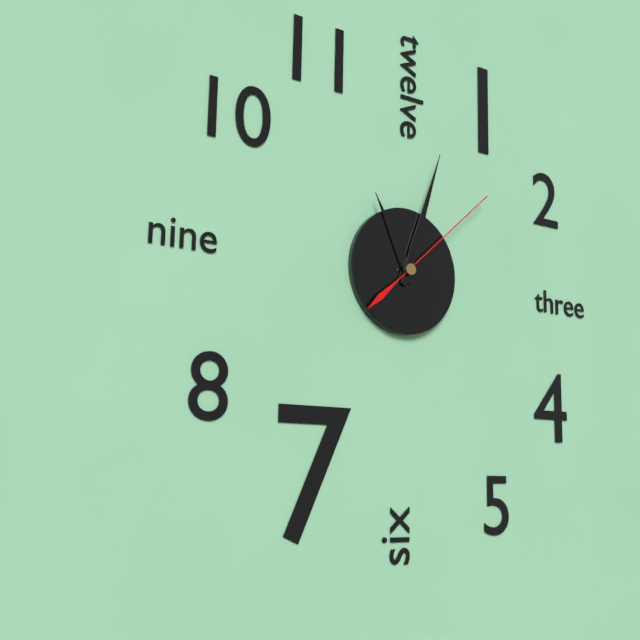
11:03:08
